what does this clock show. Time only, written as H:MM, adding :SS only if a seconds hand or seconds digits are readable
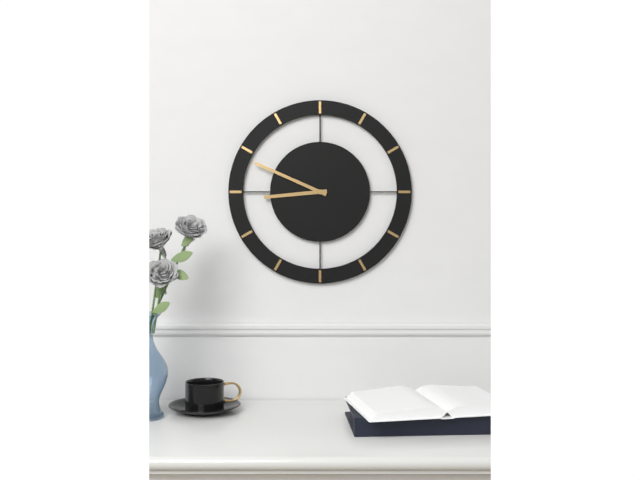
8:49
